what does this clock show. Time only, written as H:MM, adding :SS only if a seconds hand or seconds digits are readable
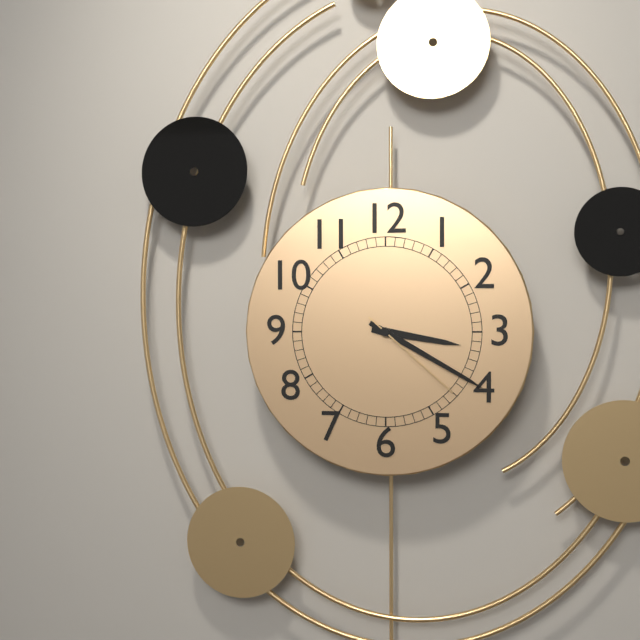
3:20:22
